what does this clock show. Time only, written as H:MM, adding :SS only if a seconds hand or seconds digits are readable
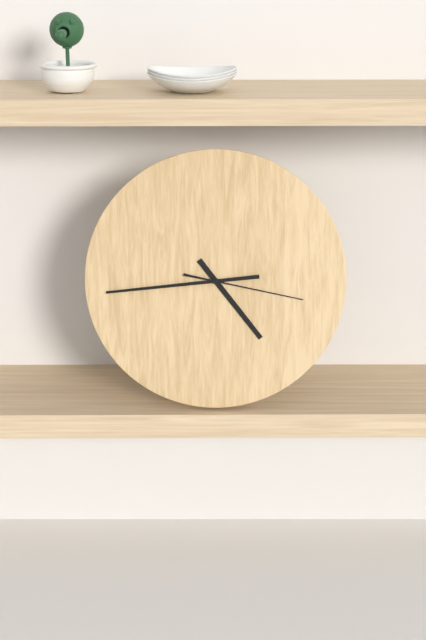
4:44:17
